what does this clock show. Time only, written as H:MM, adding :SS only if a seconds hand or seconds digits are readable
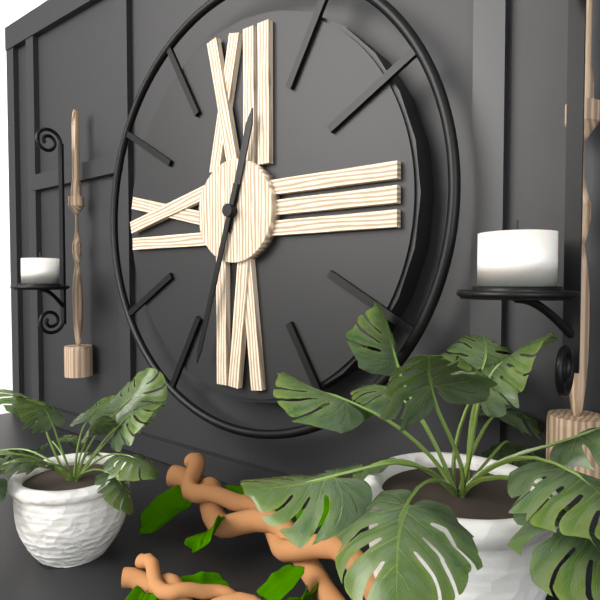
12:33
